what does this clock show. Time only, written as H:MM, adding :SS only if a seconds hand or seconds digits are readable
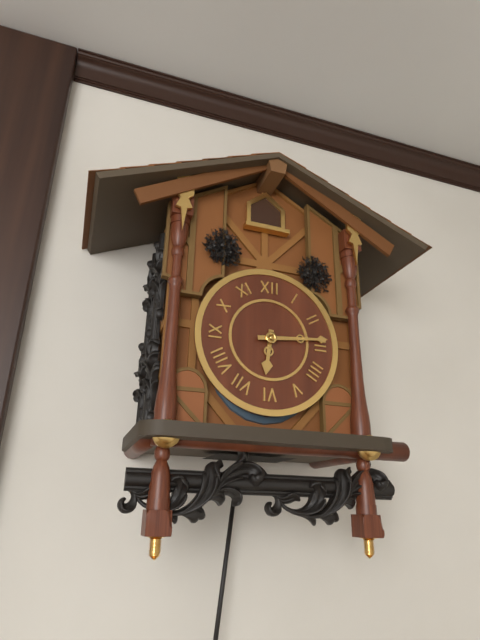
6:14
